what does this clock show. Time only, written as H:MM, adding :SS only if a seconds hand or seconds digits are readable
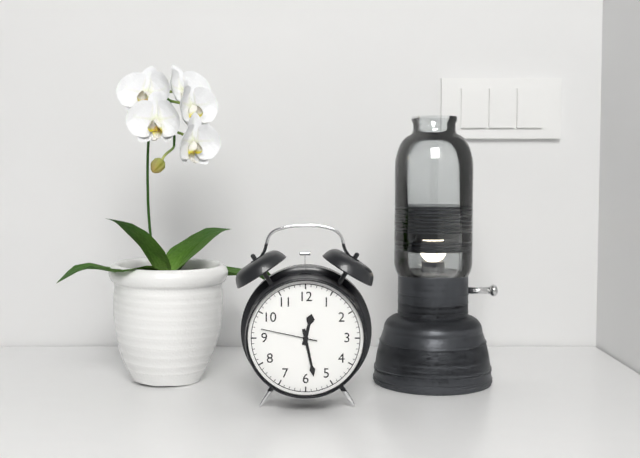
12:28:47
